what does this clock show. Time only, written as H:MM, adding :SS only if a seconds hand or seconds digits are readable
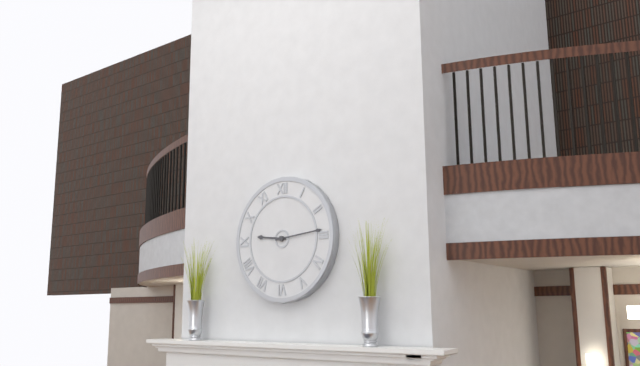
9:14
